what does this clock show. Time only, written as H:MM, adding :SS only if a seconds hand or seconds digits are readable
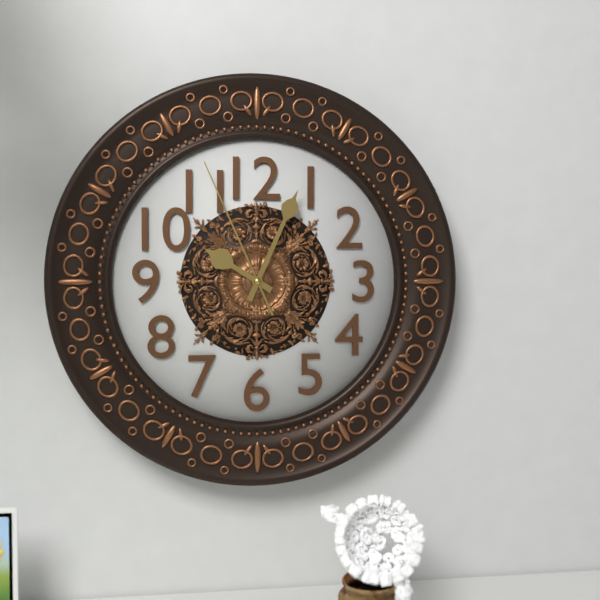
10:04:56
